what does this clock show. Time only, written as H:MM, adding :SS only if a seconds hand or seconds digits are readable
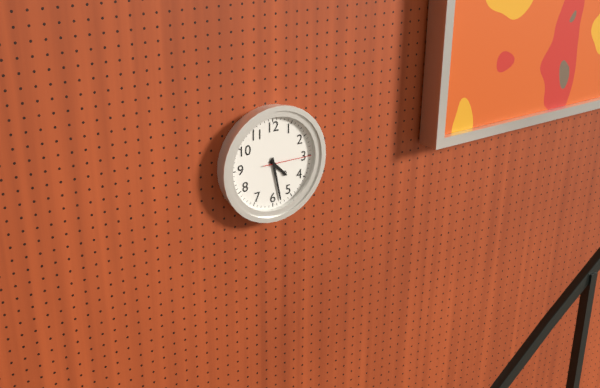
4:28
